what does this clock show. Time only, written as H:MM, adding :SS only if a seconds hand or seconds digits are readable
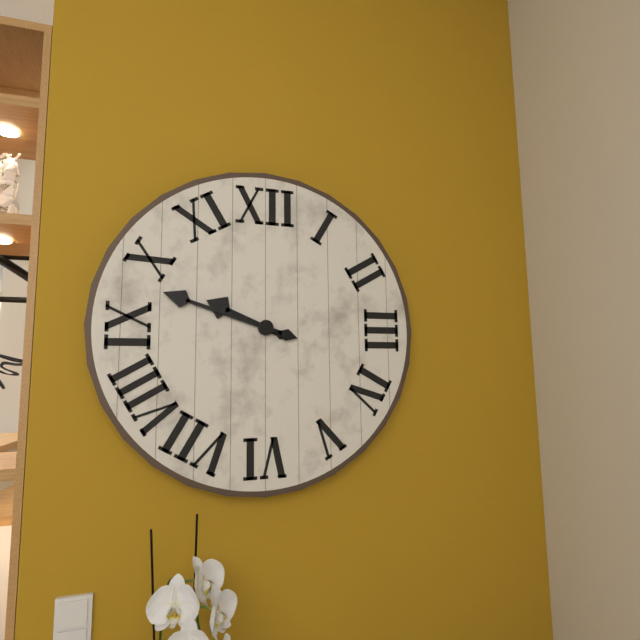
9:48
